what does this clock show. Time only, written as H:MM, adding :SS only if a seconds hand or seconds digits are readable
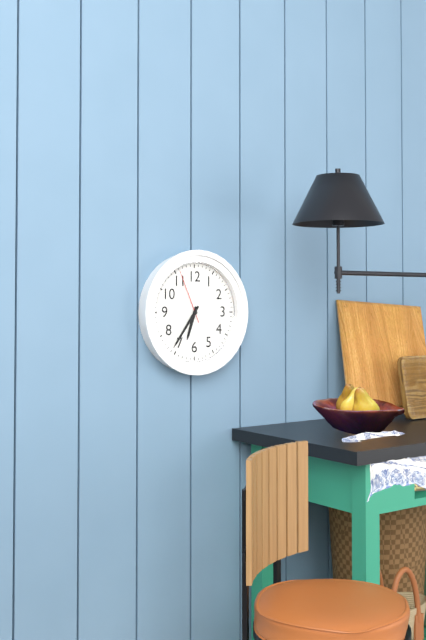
6:36:56
